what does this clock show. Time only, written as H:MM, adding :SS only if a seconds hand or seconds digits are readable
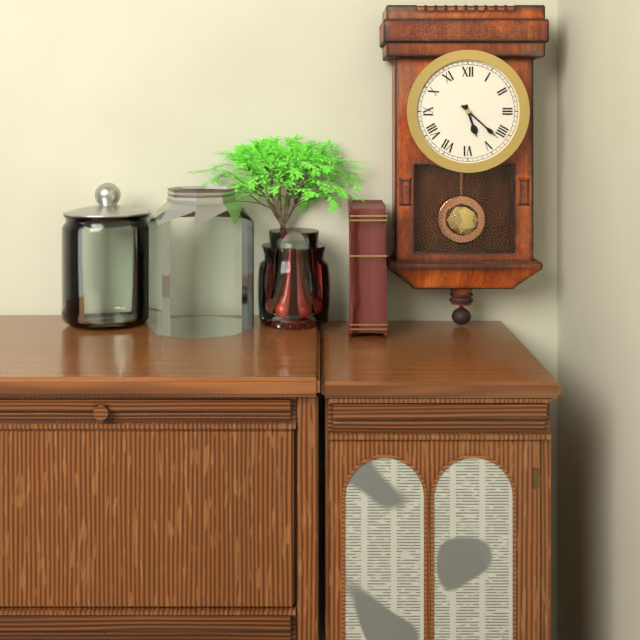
5:22
